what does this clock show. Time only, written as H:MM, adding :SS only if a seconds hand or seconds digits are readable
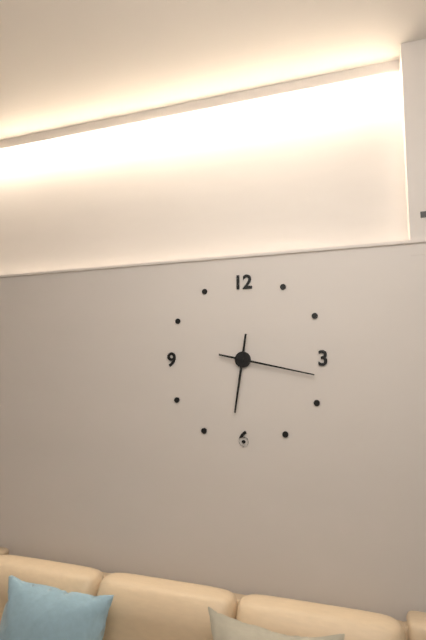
6:17
